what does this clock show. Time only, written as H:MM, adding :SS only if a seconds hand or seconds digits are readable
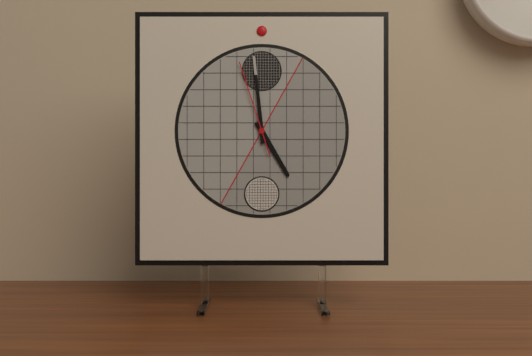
4:59:57
